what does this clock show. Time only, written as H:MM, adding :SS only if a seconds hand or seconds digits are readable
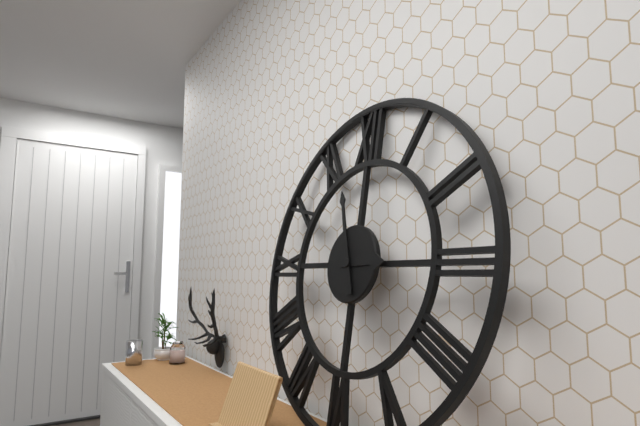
2:57
